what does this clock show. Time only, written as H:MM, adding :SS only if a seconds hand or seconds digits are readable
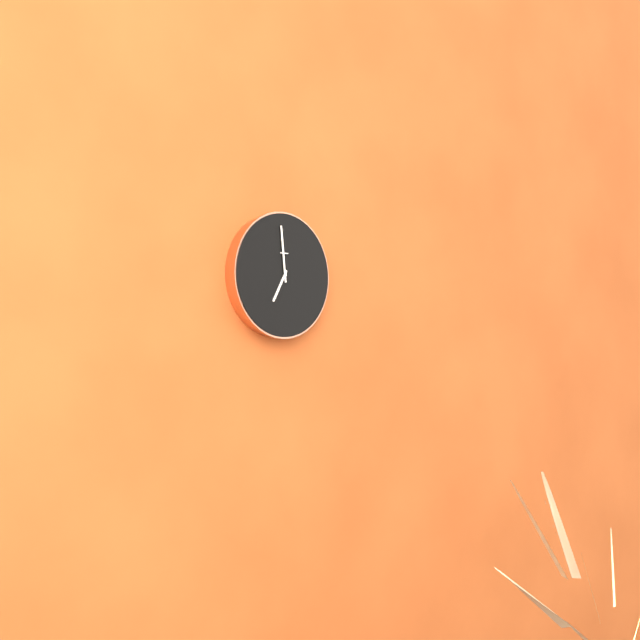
6:59
